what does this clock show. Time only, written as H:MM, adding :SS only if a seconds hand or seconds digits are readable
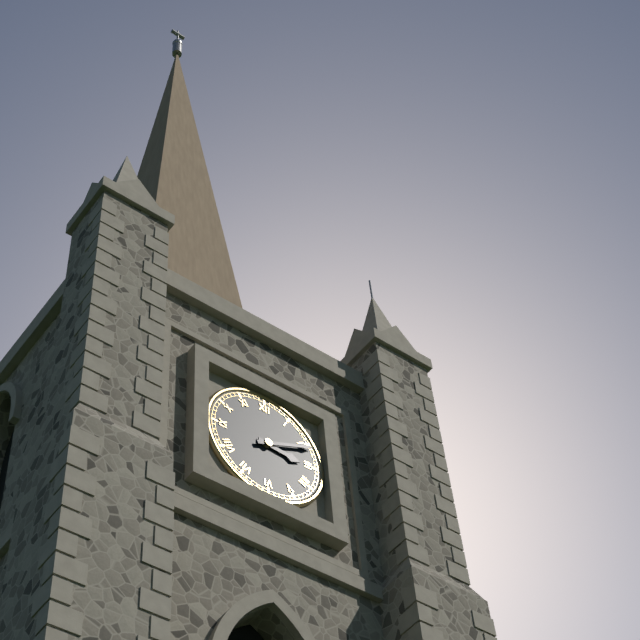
3:11
